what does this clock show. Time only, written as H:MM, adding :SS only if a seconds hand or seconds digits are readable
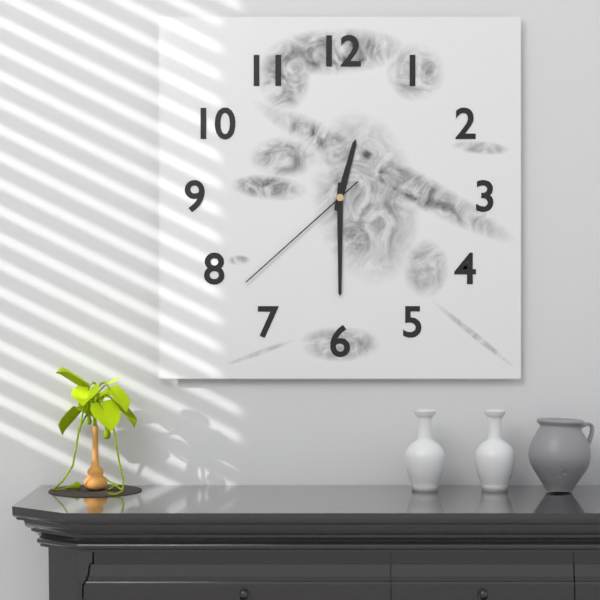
12:30:38
